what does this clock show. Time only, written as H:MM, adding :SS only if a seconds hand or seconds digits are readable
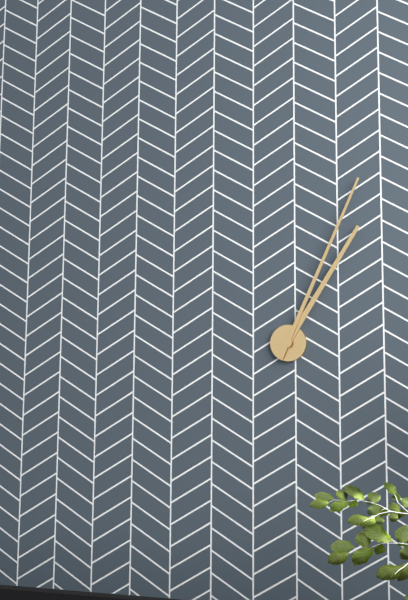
1:04
